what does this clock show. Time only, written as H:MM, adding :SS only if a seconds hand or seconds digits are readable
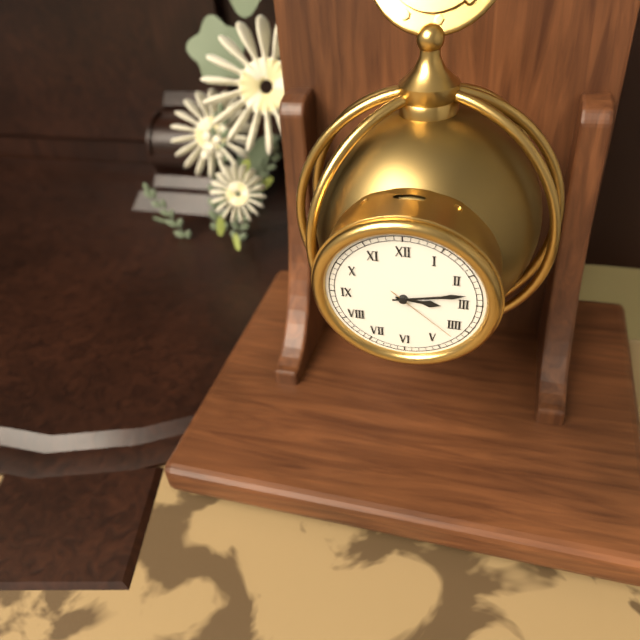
3:13:22
